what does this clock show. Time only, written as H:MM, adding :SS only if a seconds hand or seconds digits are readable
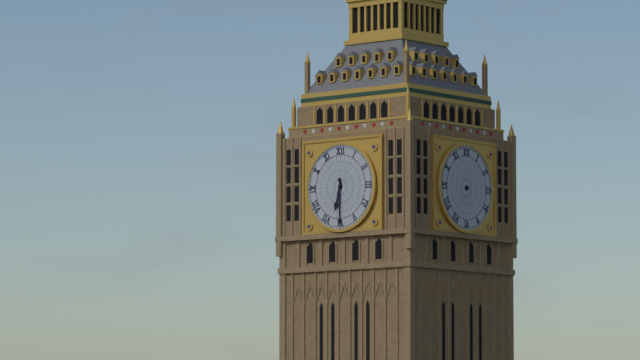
6:30
